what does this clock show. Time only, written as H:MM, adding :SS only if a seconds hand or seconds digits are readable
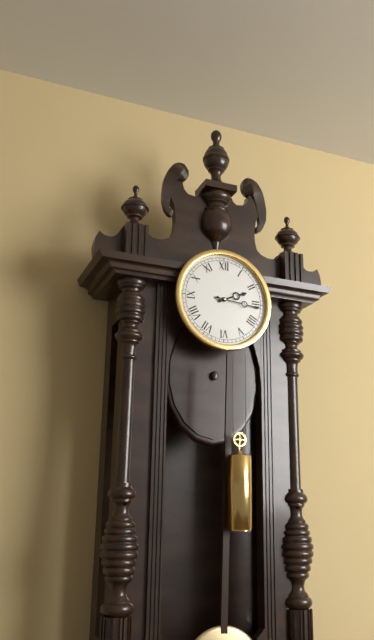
2:16
